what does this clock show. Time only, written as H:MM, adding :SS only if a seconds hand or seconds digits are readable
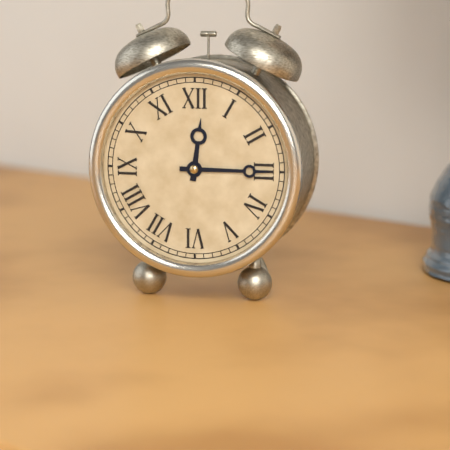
12:15
